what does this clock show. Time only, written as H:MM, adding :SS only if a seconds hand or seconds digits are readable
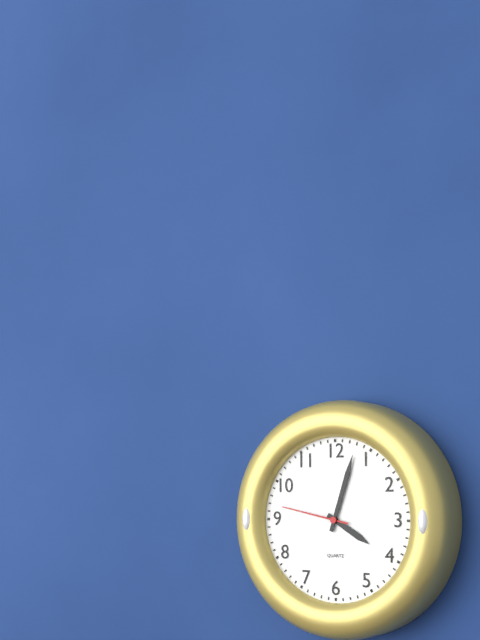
4:03:47
